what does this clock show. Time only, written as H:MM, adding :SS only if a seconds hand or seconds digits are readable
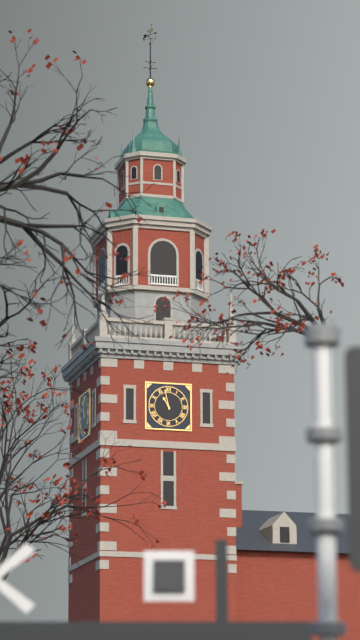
10:58
